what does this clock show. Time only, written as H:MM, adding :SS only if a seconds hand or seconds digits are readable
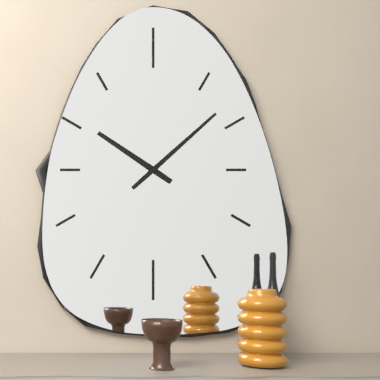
10:08
